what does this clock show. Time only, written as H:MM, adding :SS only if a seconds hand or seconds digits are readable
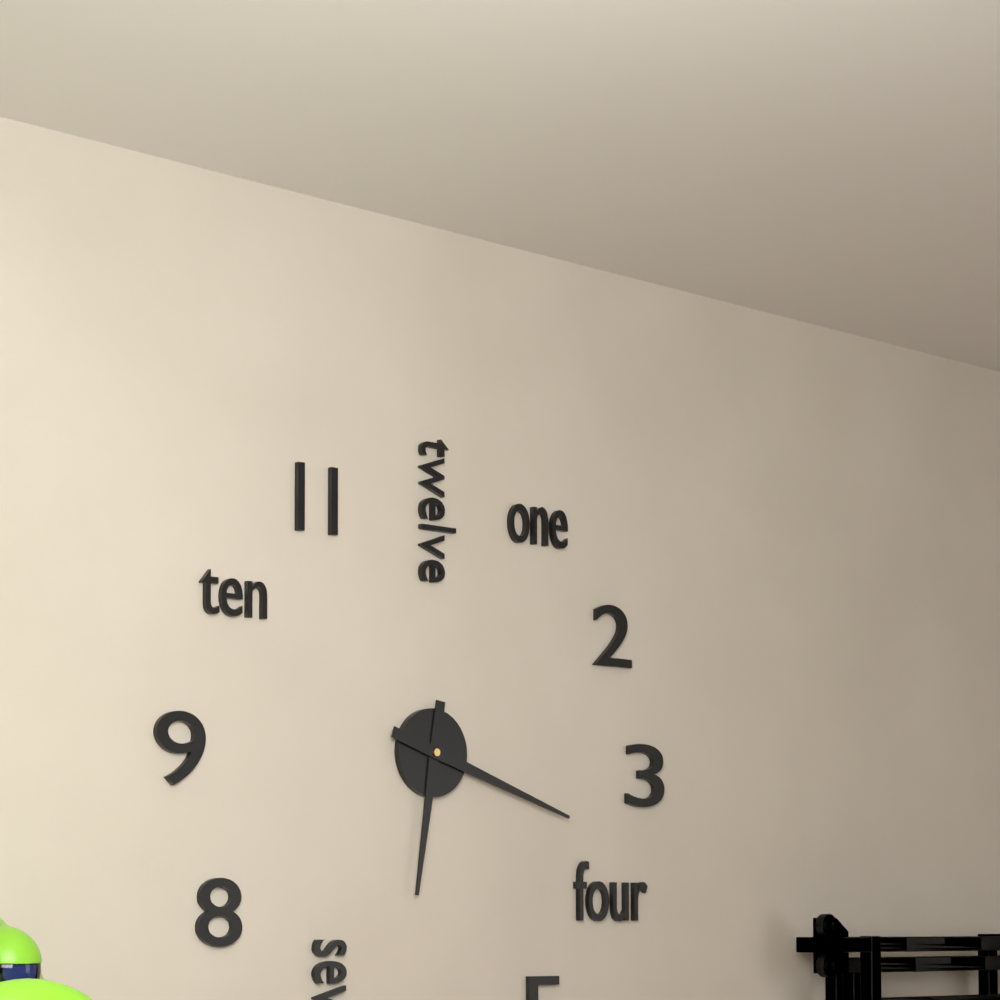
6:18
